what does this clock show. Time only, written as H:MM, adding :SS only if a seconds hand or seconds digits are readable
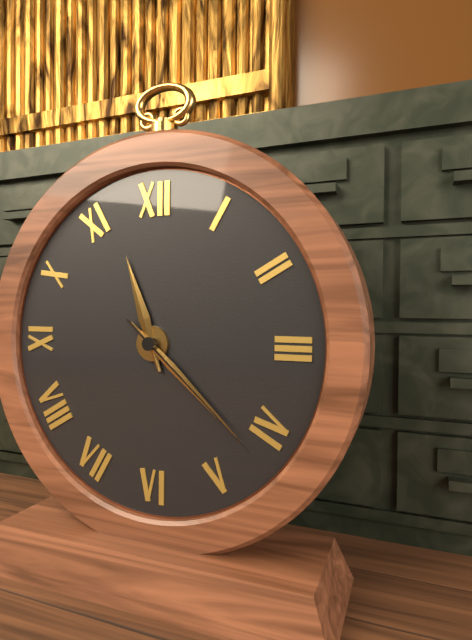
11:22:22
